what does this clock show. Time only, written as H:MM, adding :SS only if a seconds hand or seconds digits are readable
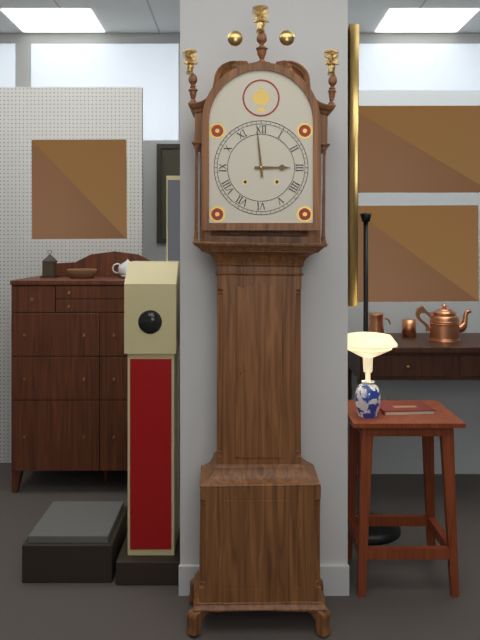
2:59
